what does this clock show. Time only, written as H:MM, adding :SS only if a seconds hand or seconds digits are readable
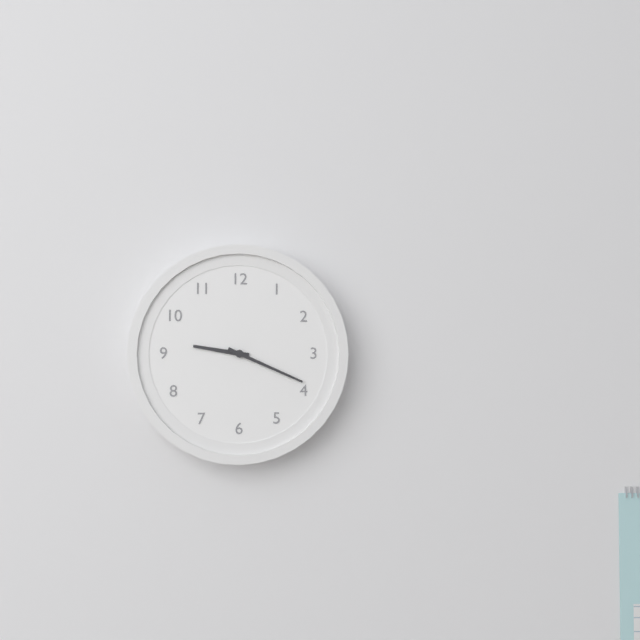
9:19
